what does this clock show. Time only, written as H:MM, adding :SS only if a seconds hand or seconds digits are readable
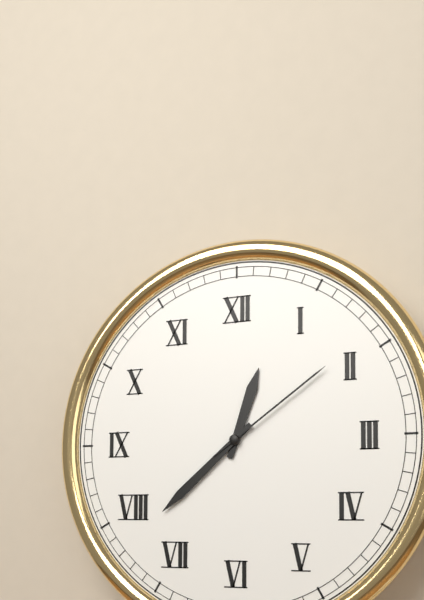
12:38:09
